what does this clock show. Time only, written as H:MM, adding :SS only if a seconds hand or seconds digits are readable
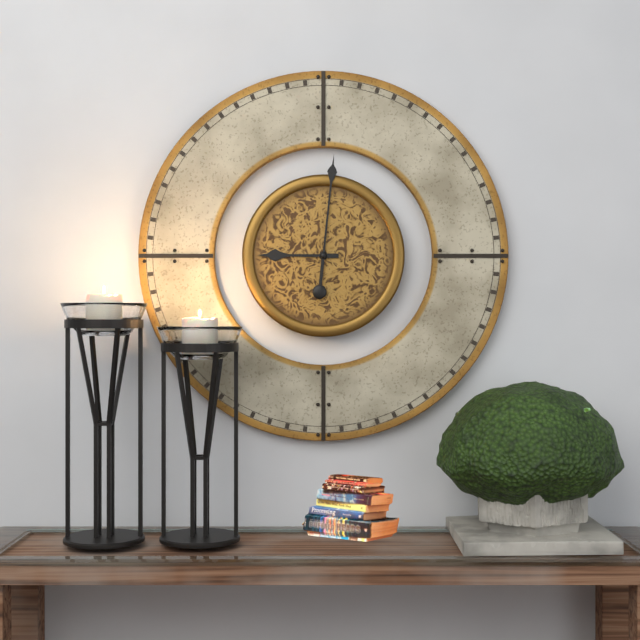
9:01
